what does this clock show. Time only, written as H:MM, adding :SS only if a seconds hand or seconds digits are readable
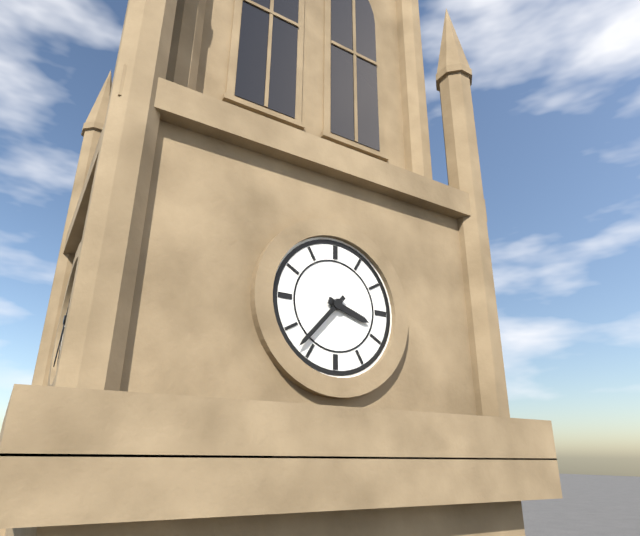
3:37
